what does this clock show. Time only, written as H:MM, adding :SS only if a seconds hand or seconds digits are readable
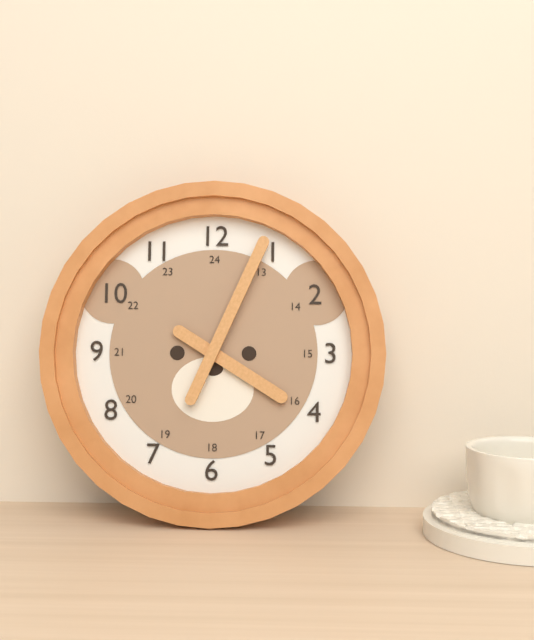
4:04
